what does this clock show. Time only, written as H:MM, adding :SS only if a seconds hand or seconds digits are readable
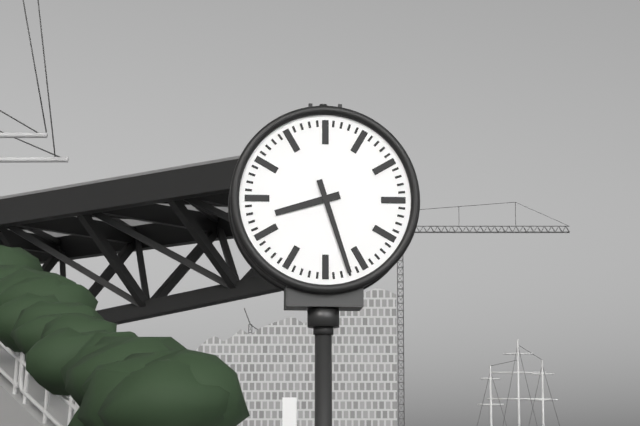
8:27
